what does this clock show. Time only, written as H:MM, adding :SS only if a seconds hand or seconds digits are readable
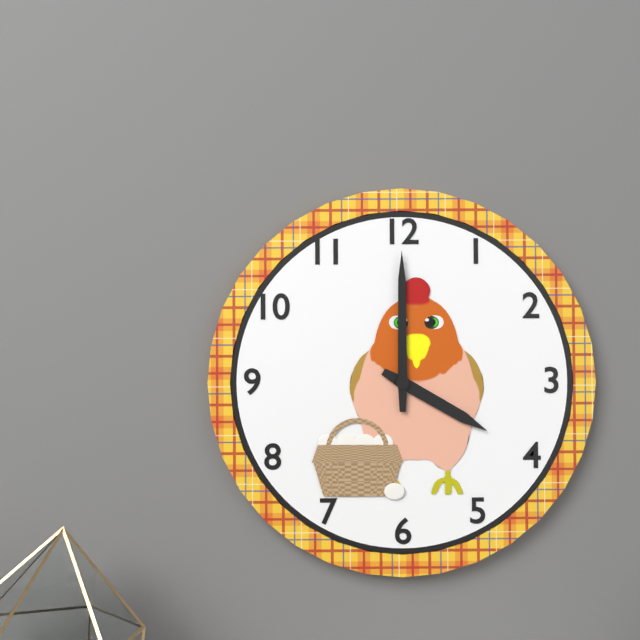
4:00
